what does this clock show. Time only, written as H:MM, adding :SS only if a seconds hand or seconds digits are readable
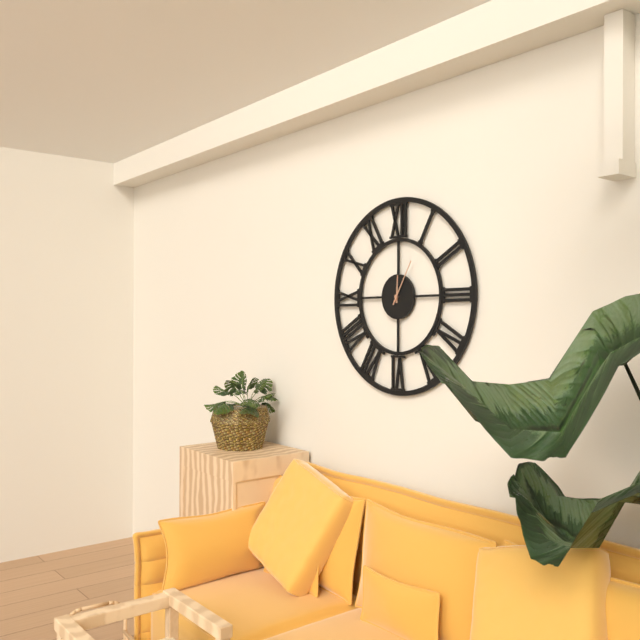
12:05
